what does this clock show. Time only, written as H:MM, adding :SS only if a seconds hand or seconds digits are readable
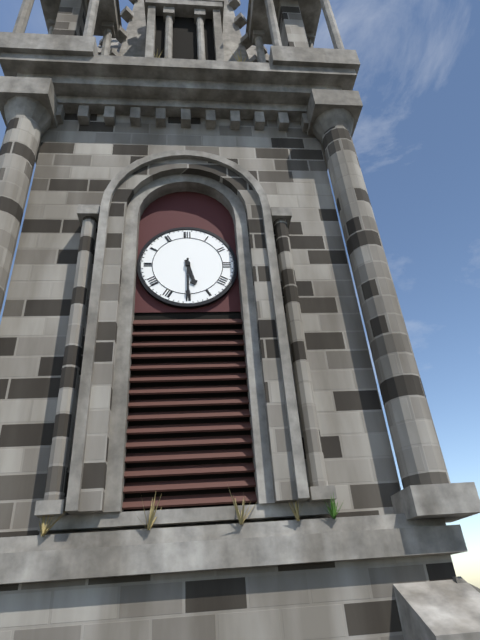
5:30
